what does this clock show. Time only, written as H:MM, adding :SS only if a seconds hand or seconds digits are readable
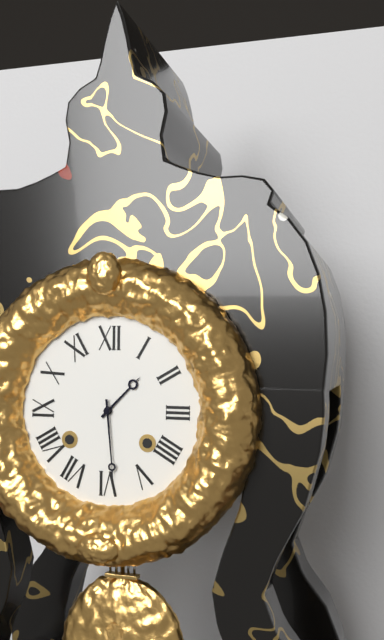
1:29
